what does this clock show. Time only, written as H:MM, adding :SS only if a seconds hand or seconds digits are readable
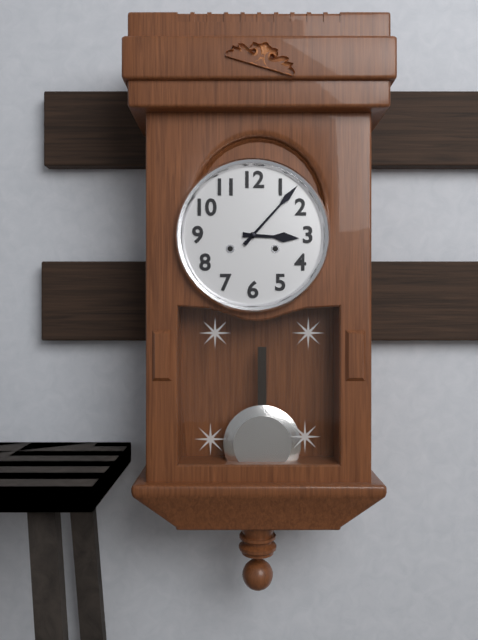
3:07
